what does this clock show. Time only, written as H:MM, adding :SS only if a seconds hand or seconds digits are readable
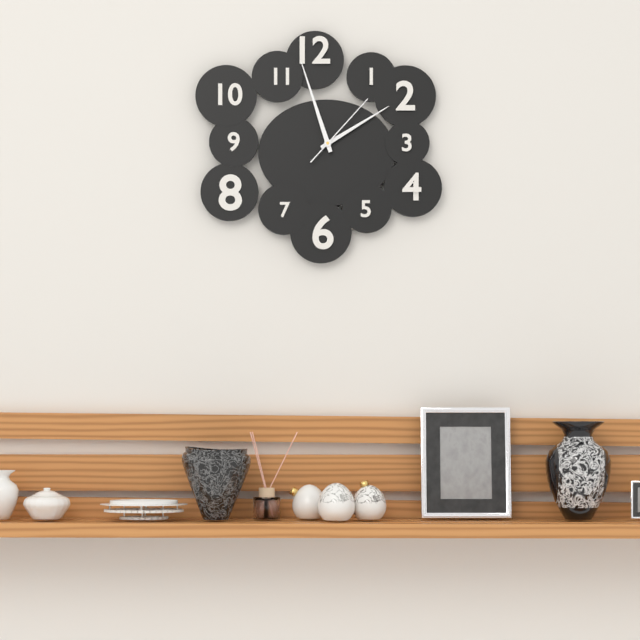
1:57:07
